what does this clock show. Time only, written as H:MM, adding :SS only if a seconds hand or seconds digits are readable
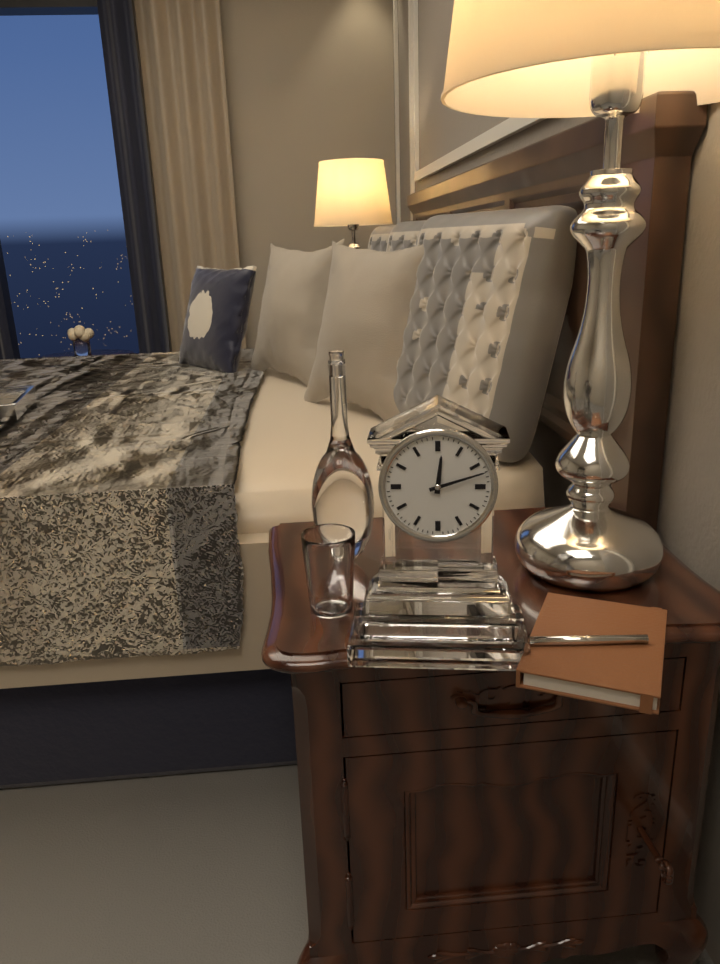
12:12
